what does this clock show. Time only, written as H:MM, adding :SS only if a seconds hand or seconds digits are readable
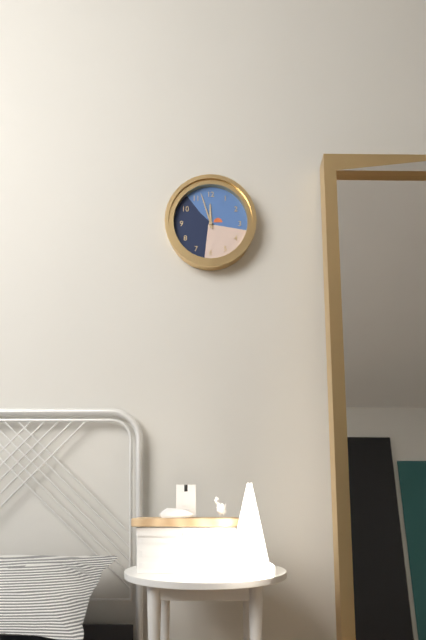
11:57
